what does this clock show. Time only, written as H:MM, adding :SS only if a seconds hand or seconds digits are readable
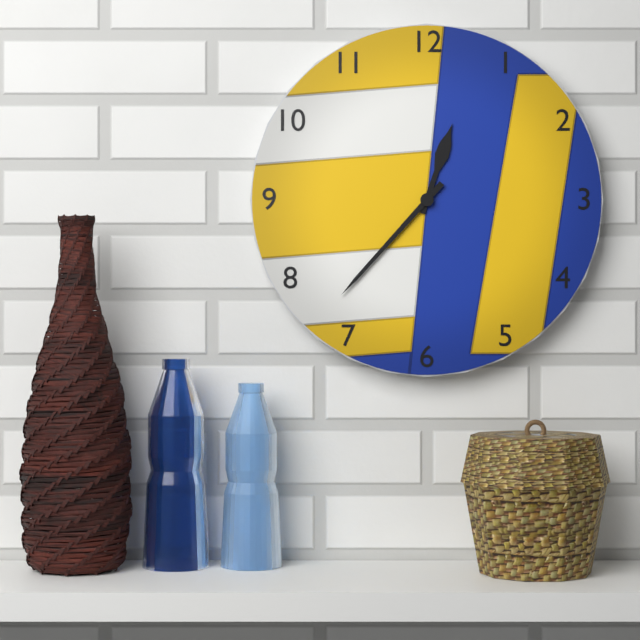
12:37
